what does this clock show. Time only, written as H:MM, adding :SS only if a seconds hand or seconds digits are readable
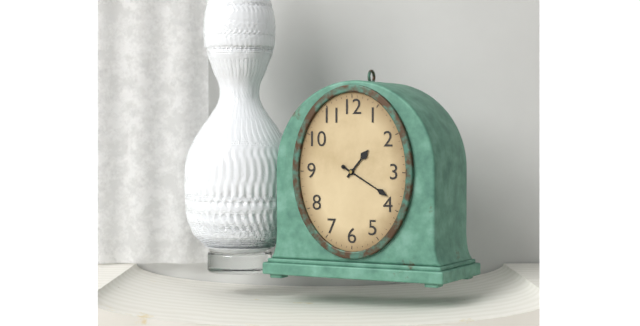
1:20
